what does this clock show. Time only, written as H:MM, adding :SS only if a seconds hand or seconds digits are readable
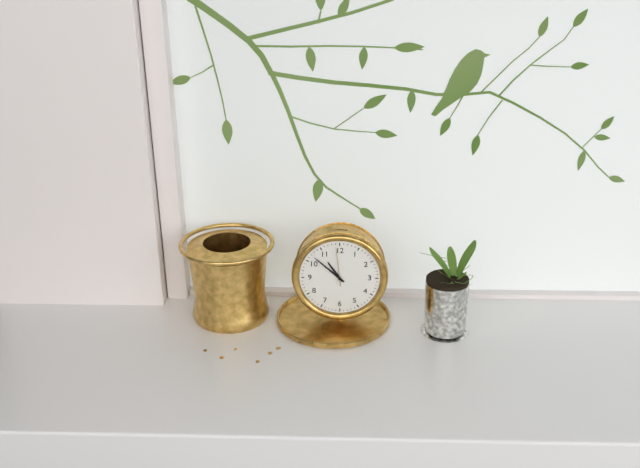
10:52
